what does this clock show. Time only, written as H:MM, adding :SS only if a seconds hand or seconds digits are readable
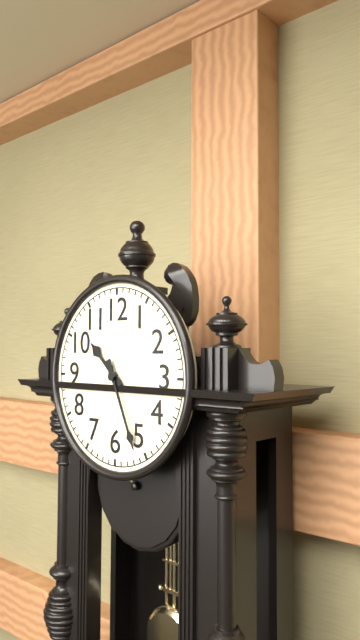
10:26
